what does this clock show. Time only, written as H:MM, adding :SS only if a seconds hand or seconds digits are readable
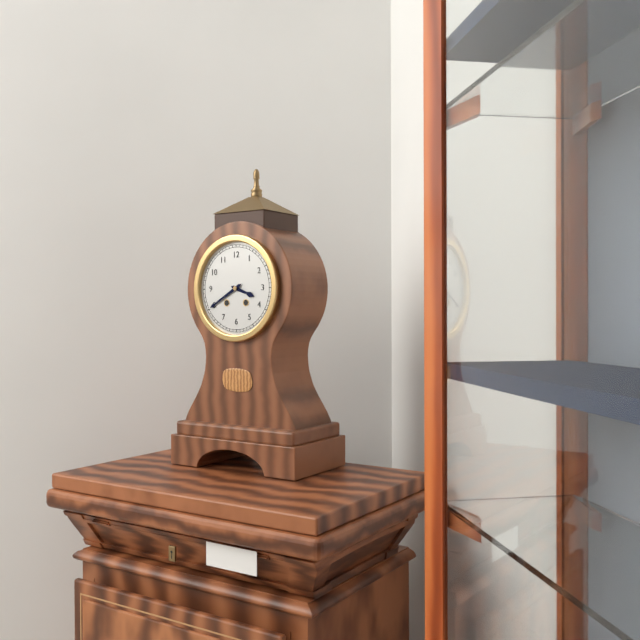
3:40
